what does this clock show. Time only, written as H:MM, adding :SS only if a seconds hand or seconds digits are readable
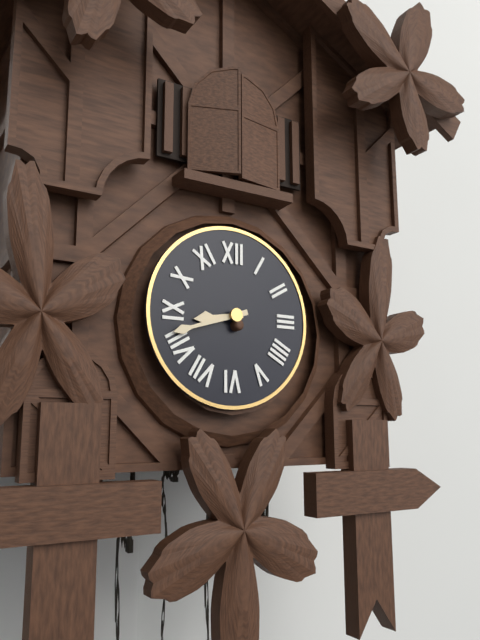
8:42
